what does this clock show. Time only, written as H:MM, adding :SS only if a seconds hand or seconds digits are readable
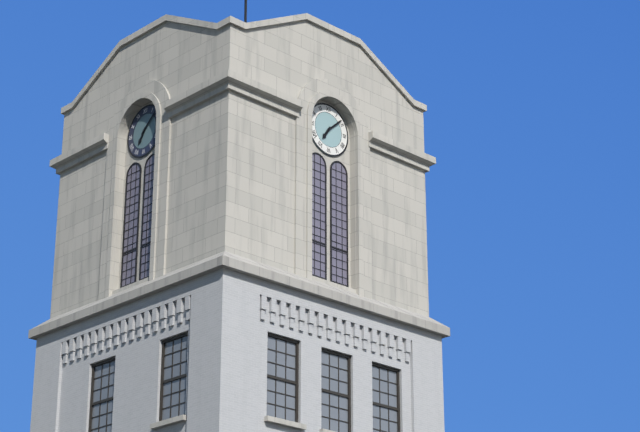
7:08
